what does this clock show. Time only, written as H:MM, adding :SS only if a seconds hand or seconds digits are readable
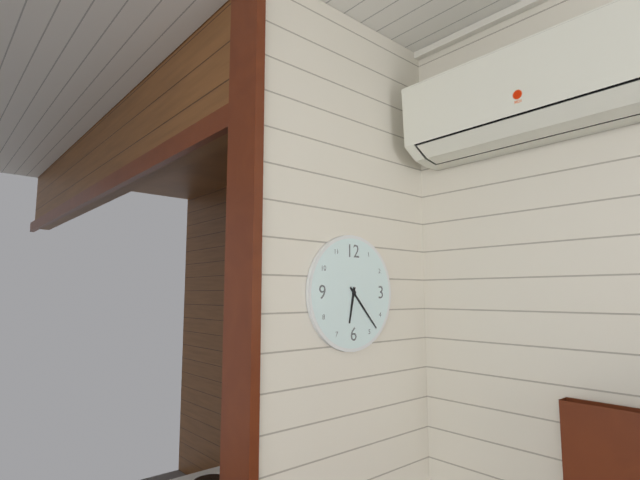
6:23
